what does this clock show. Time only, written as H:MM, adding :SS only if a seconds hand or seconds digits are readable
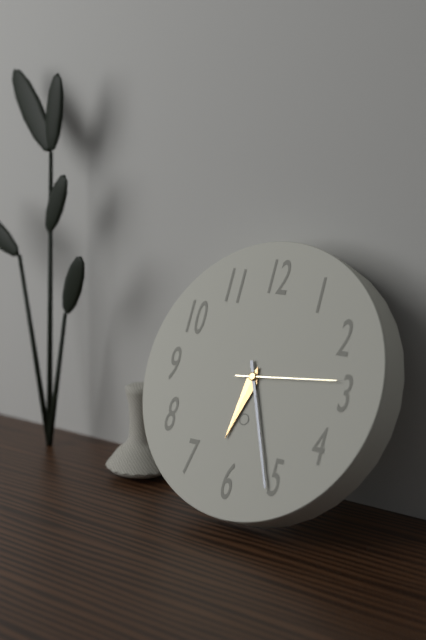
6:26:14
